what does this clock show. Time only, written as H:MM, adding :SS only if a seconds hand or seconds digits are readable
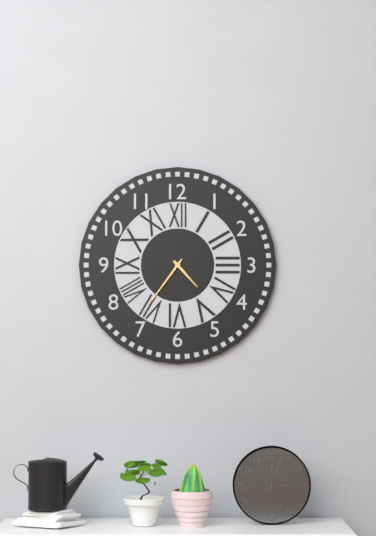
4:36
